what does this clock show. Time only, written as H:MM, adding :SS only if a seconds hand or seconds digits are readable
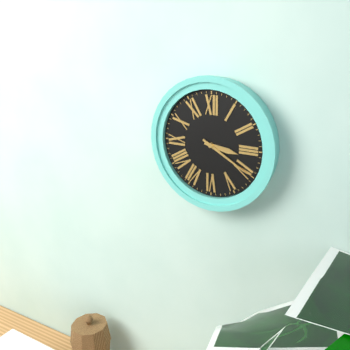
3:20
